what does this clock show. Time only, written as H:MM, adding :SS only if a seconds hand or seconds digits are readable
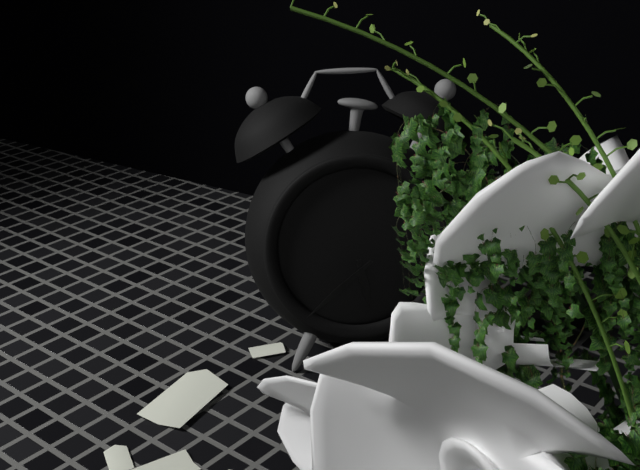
5:38
